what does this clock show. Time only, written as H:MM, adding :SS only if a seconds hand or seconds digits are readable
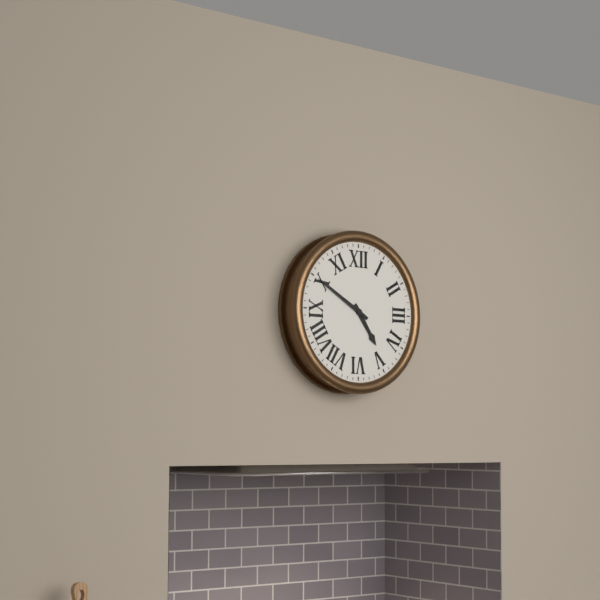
4:50
